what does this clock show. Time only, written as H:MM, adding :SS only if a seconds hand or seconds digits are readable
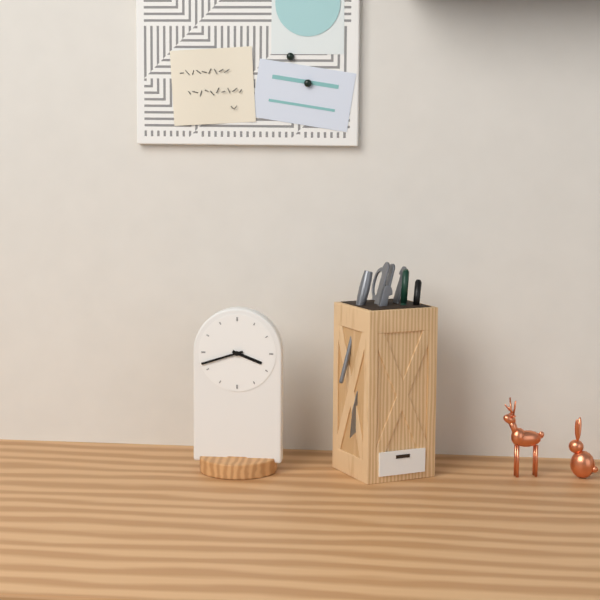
3:42
